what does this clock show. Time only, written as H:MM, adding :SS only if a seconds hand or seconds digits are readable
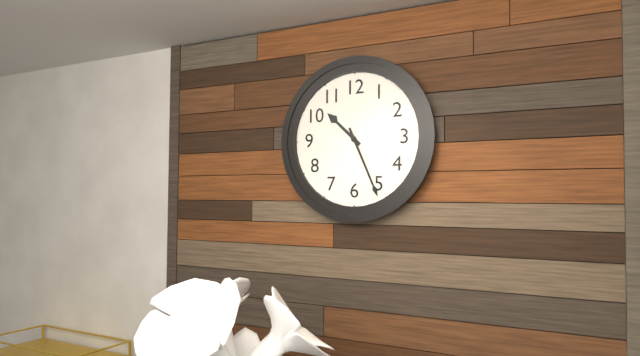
10:26
